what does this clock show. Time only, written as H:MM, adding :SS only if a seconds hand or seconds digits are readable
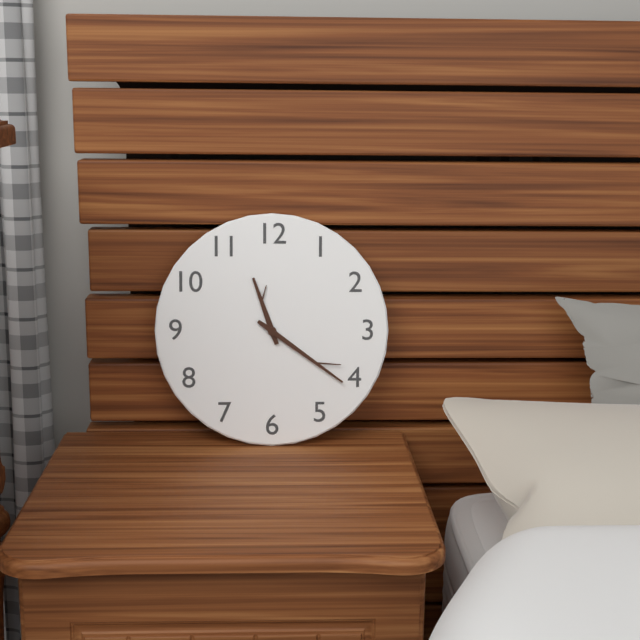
11:21
